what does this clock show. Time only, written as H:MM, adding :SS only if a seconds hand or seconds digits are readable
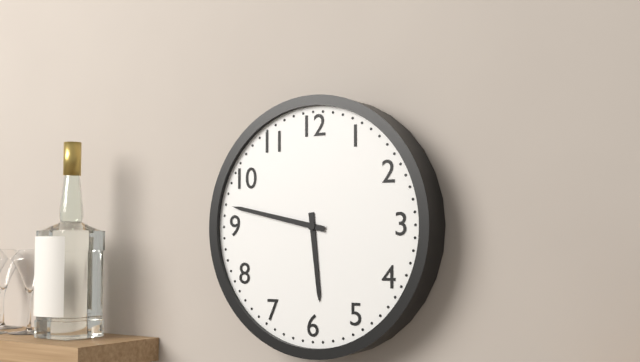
5:47
